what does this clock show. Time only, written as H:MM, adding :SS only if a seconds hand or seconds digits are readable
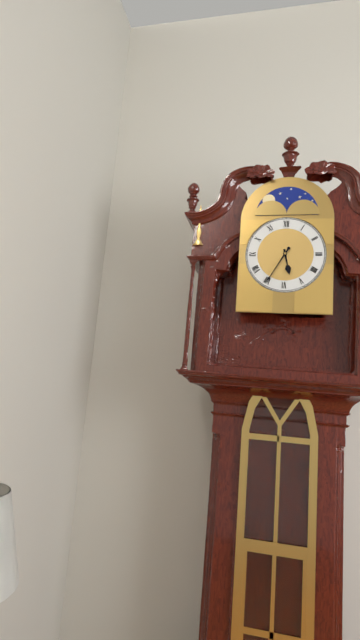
5:35
